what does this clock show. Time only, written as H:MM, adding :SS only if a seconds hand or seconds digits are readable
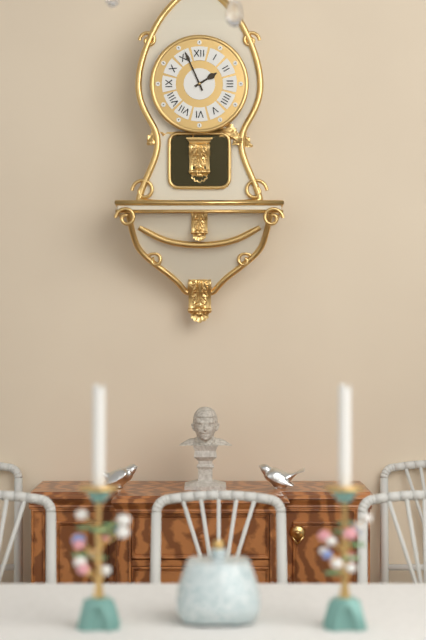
1:56
